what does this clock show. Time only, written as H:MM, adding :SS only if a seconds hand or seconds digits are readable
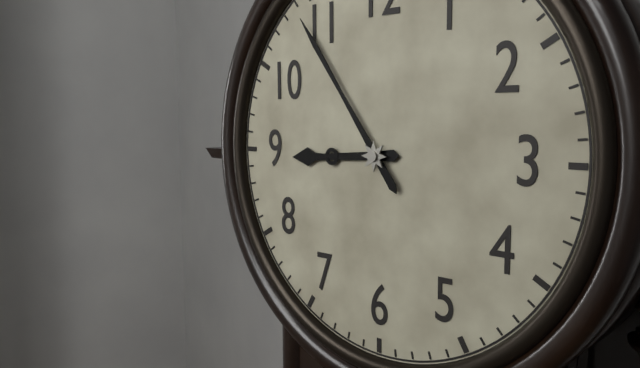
8:54
